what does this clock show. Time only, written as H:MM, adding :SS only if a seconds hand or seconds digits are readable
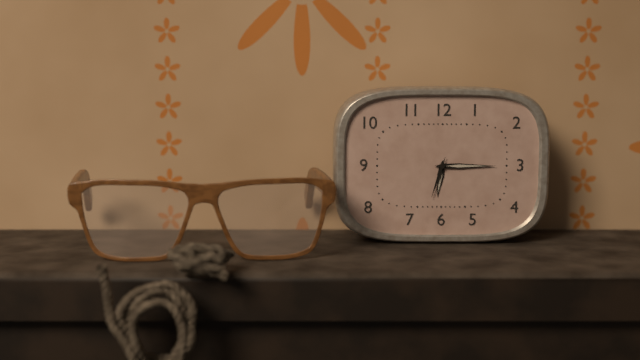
6:15
